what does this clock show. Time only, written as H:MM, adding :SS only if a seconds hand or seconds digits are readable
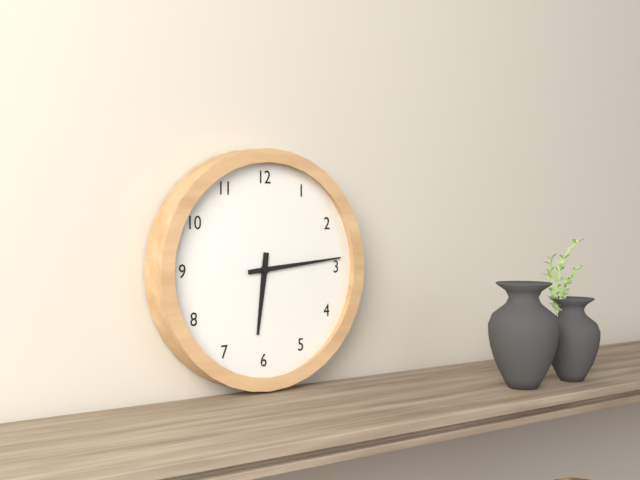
6:14
